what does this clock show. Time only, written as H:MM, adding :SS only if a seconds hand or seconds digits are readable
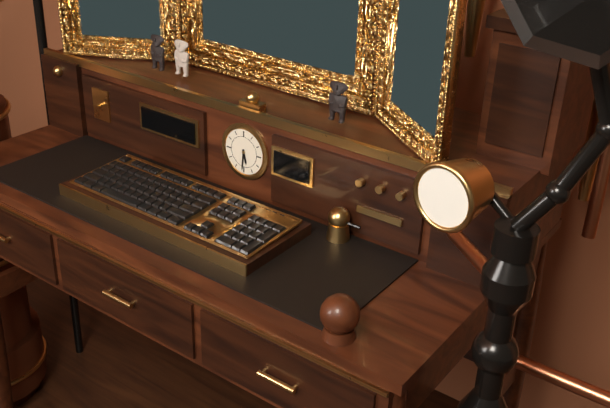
5:31
